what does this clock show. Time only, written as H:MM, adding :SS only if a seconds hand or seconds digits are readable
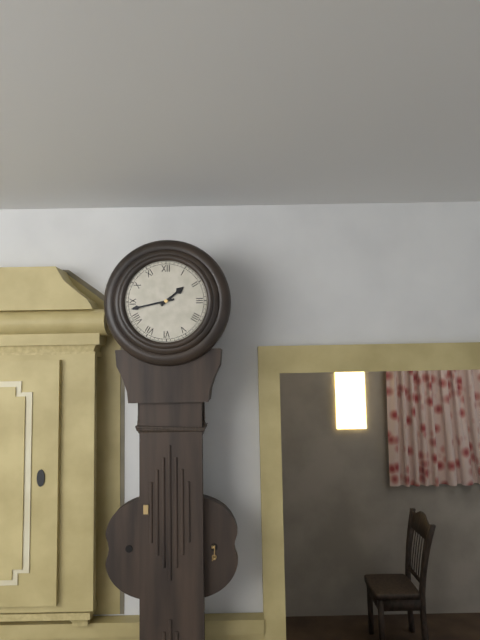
1:43
